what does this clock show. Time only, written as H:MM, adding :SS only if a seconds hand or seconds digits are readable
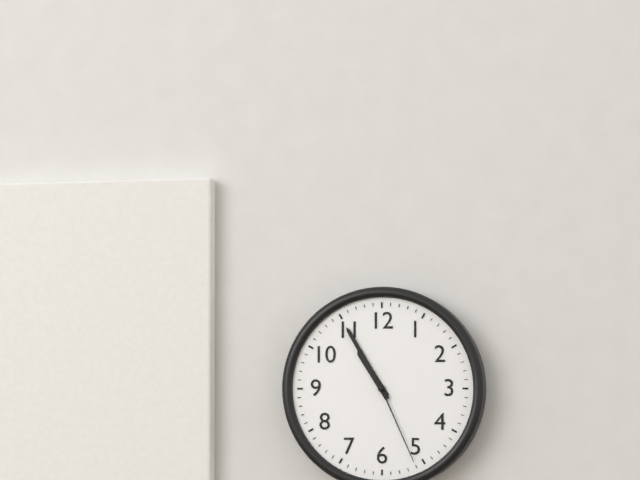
10:55:26
